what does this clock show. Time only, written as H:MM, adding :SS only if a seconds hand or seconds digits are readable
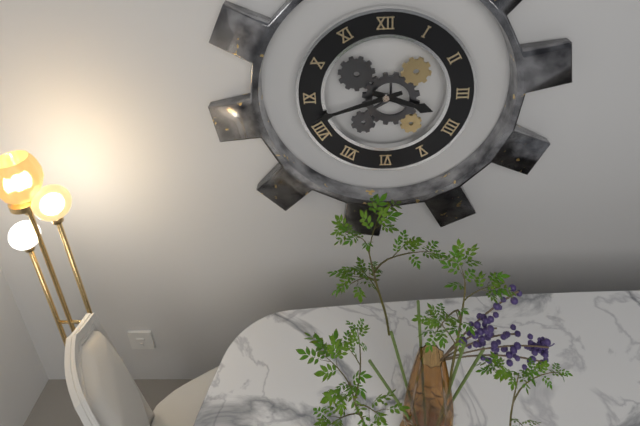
3:42
